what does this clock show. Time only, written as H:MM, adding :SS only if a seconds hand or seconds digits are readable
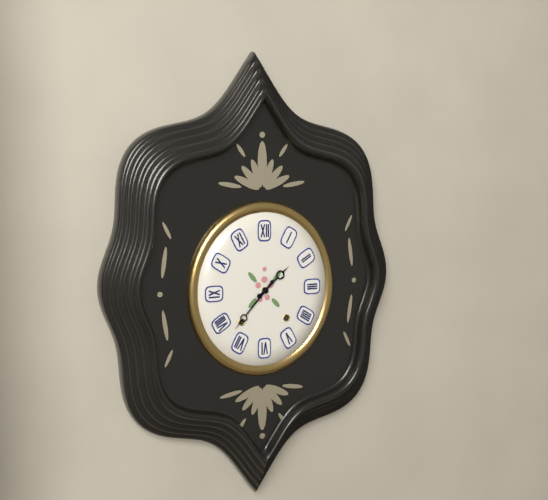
1:37
